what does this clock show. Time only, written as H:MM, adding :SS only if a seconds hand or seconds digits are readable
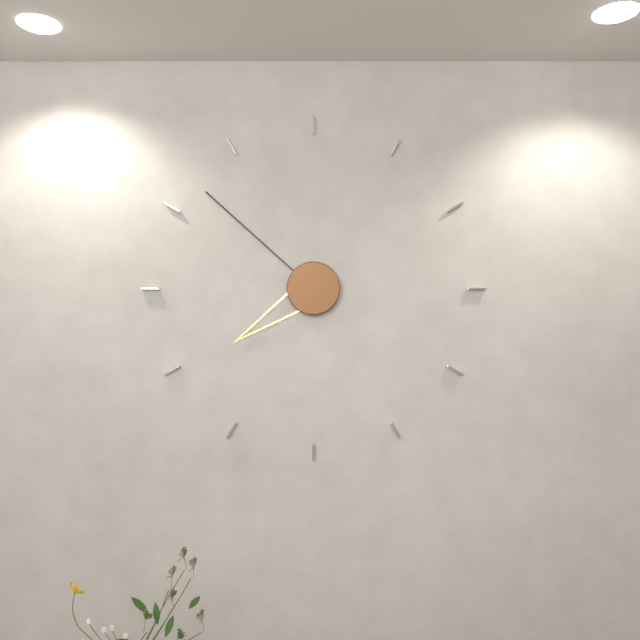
7:52
